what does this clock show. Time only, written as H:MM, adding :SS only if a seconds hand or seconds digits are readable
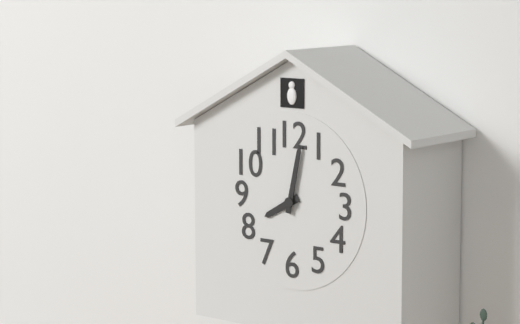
8:02
